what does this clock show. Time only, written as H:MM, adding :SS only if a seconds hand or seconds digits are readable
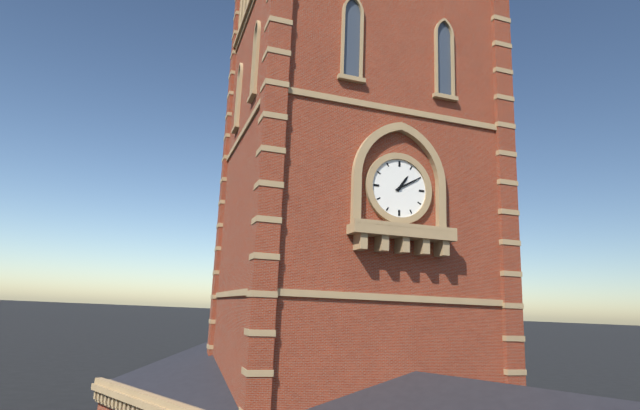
1:10
